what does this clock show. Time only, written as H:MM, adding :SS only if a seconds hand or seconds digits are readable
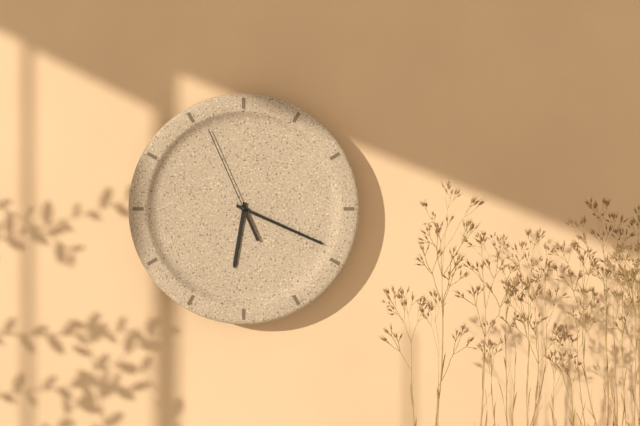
6:19:56
